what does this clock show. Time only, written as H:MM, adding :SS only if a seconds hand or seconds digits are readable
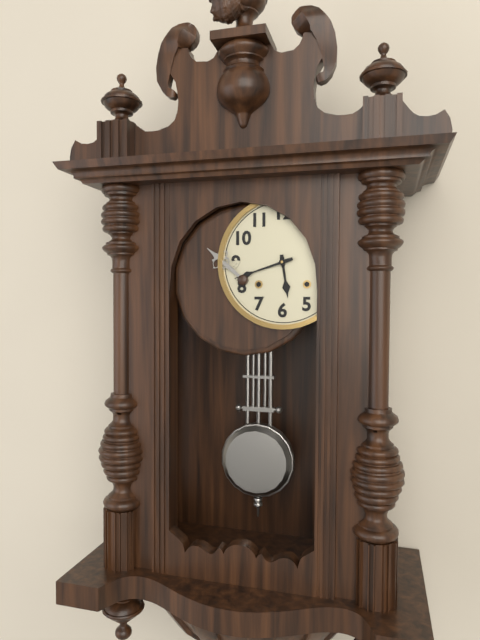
5:42
